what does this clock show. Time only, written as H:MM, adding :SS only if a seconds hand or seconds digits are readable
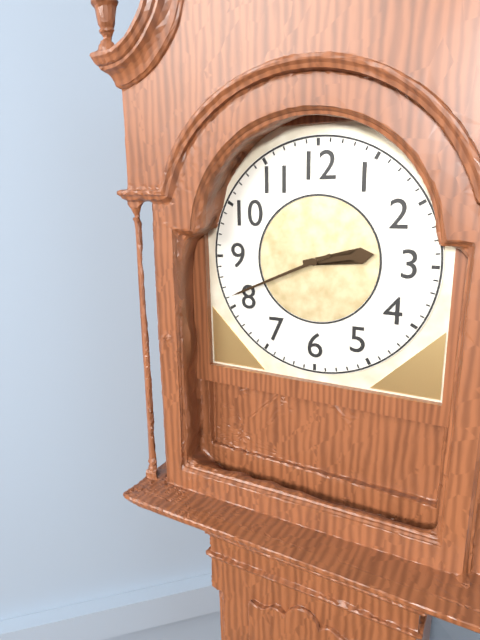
2:41
